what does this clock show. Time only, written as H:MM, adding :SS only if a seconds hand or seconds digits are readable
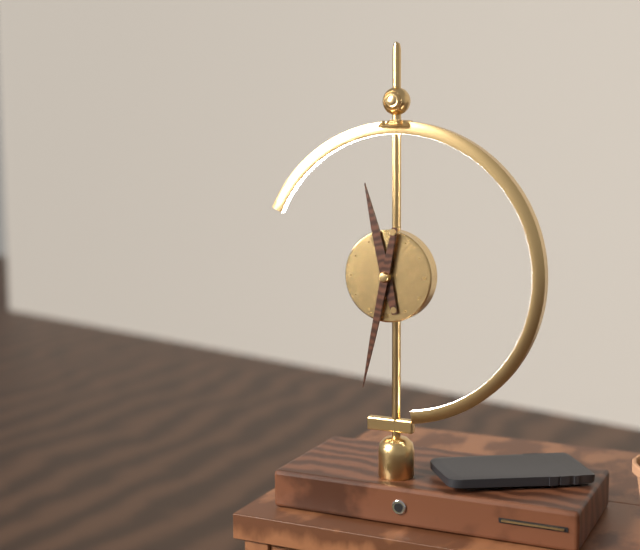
11:32
